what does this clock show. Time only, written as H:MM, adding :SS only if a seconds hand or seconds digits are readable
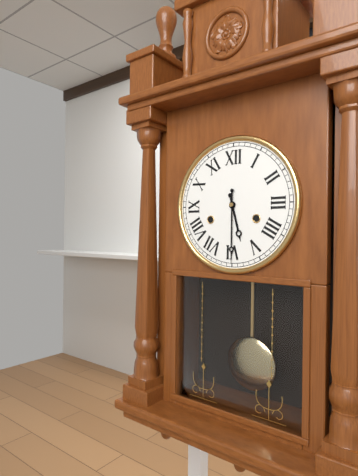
5:30
